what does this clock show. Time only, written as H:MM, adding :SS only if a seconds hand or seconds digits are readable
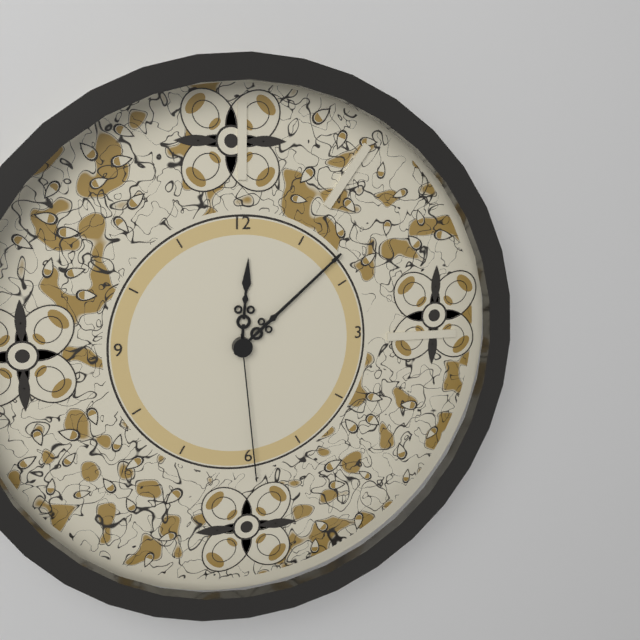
12:08:29
